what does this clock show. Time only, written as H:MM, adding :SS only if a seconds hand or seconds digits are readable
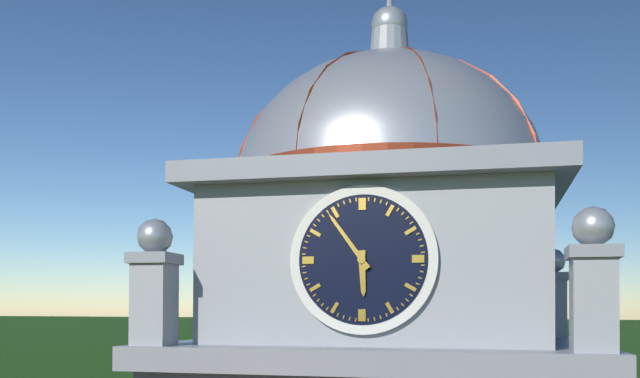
5:54
